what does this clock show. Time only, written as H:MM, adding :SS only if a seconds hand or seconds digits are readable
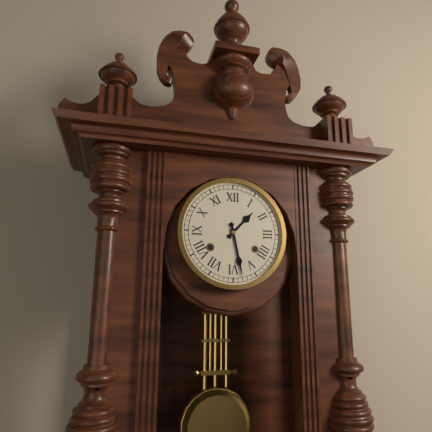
1:28
